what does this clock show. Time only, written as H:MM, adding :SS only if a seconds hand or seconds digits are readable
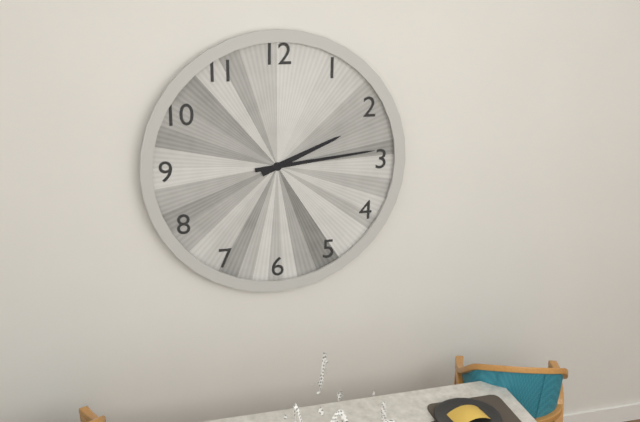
2:14
